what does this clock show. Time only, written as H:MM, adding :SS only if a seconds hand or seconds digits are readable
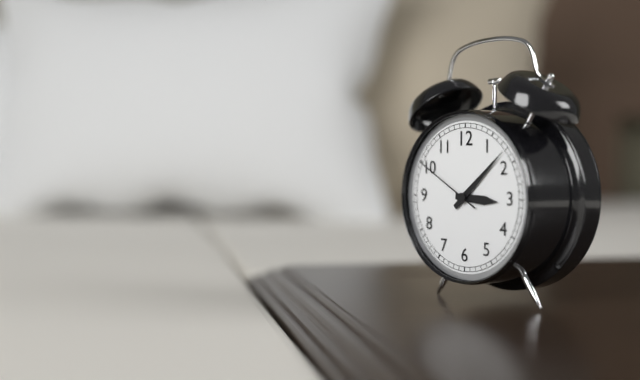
3:08:50
